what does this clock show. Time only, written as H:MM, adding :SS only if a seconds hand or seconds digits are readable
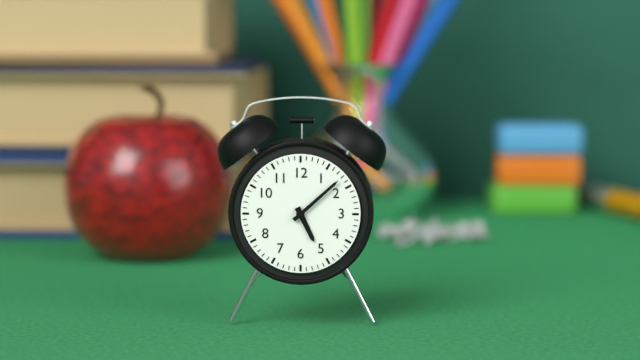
5:08
